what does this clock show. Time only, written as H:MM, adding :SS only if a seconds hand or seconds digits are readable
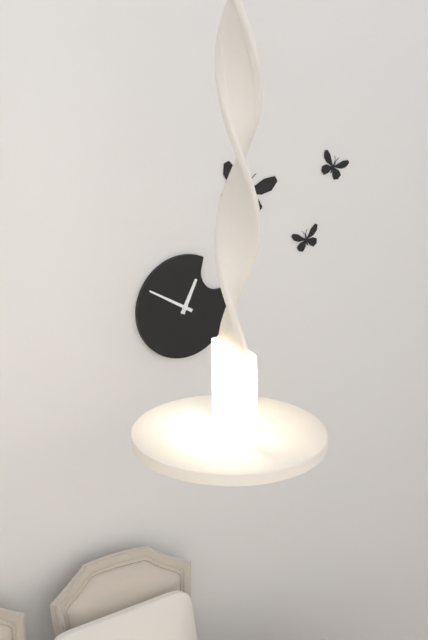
12:50
